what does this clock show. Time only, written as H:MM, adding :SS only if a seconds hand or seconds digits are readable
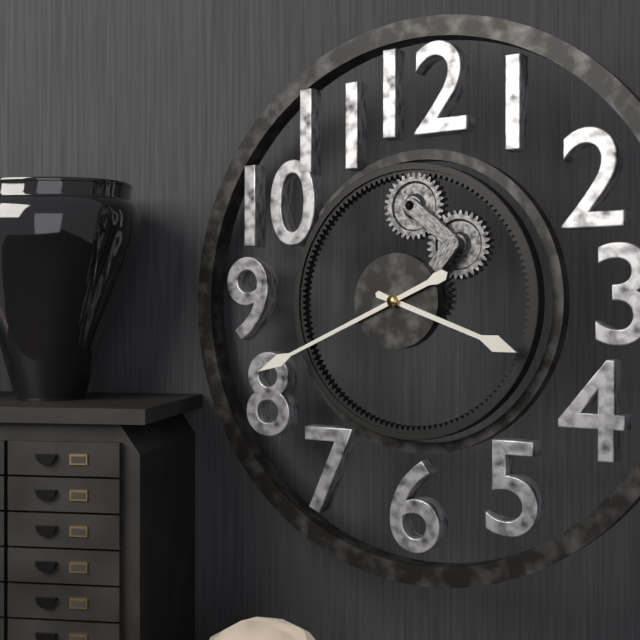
3:41
